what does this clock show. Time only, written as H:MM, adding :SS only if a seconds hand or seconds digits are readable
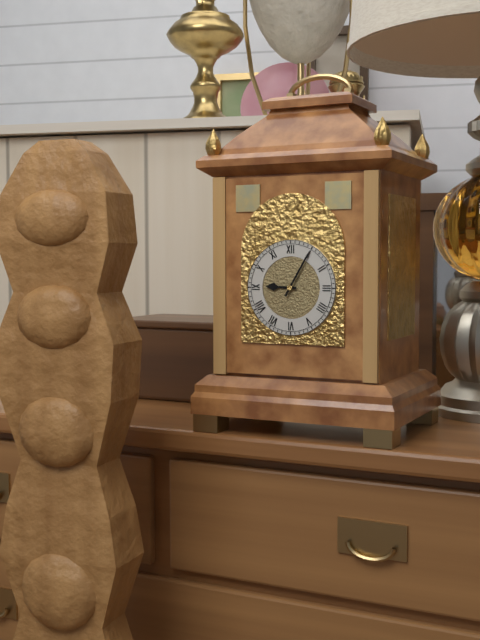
9:05
